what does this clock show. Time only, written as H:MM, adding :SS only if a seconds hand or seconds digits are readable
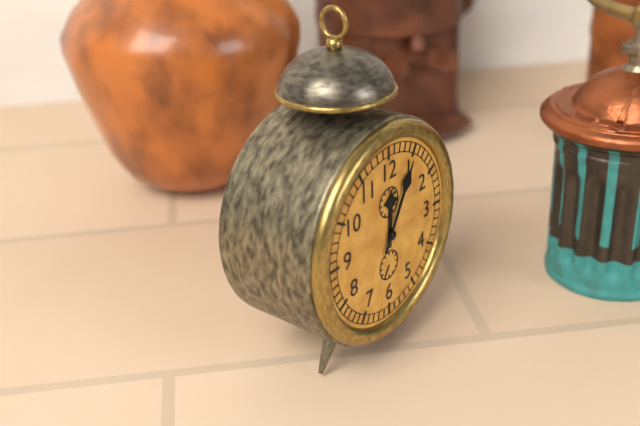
12:05
